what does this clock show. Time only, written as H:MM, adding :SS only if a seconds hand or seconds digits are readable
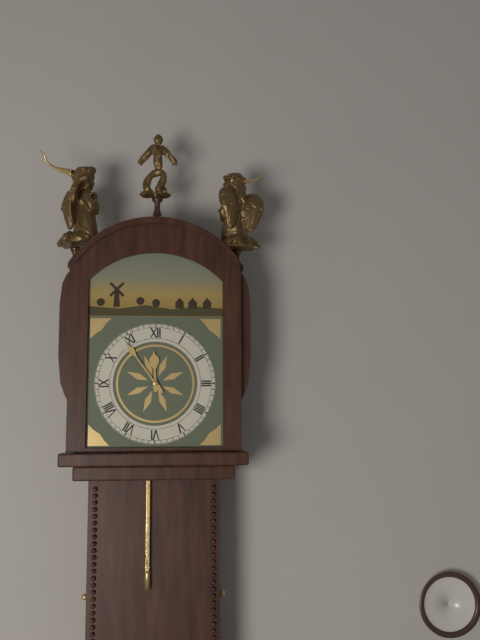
11:54
